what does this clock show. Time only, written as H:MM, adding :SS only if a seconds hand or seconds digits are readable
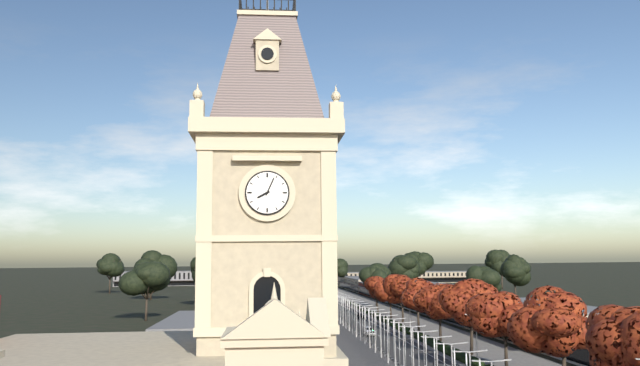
8:04
